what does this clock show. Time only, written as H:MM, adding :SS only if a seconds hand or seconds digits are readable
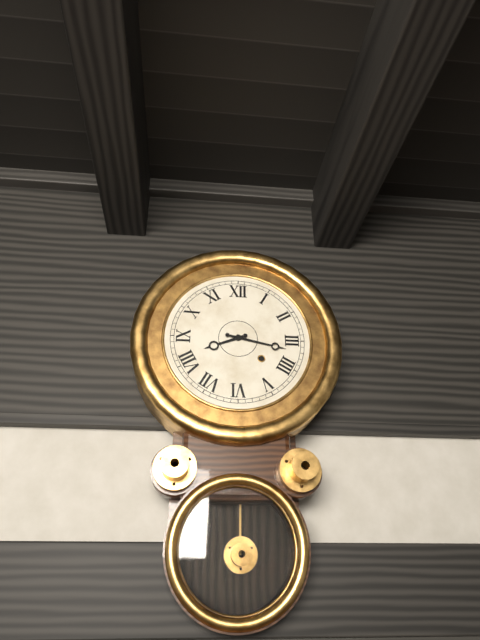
8:17
